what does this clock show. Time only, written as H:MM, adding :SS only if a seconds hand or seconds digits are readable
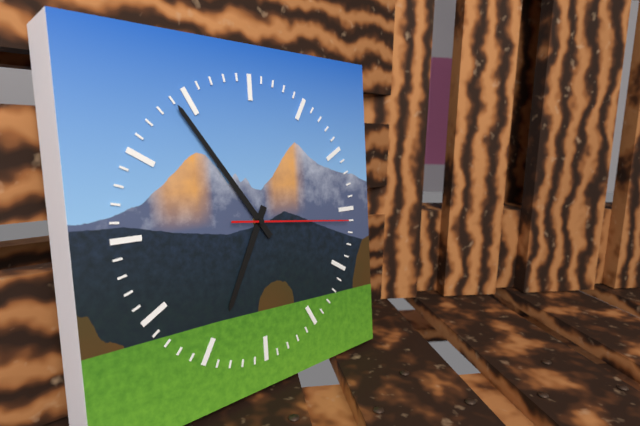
6:54:16
